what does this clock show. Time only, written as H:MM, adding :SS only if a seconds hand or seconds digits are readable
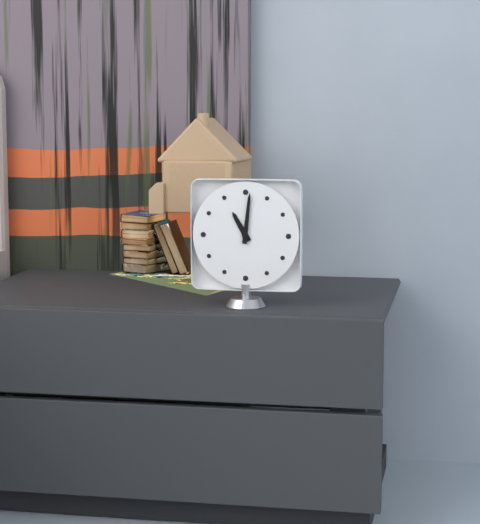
11:01
